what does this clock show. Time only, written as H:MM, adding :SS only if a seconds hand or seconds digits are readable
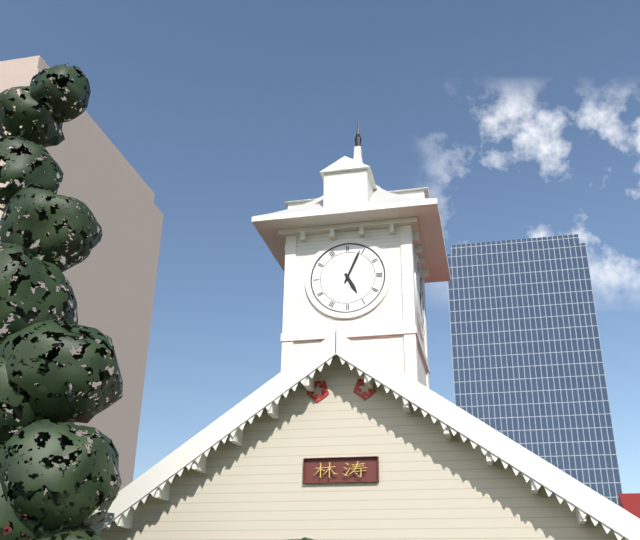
5:04
